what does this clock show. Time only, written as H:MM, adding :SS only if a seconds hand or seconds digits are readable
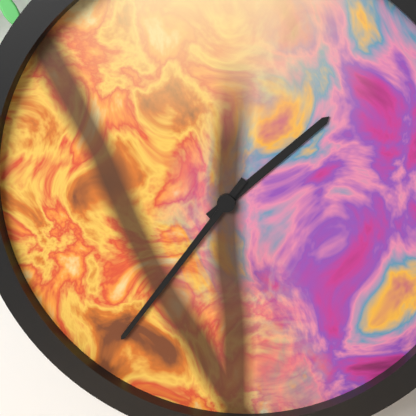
1:36
